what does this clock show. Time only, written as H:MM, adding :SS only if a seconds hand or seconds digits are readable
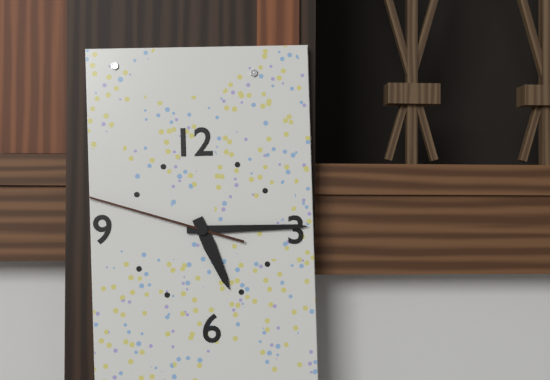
5:15:48
